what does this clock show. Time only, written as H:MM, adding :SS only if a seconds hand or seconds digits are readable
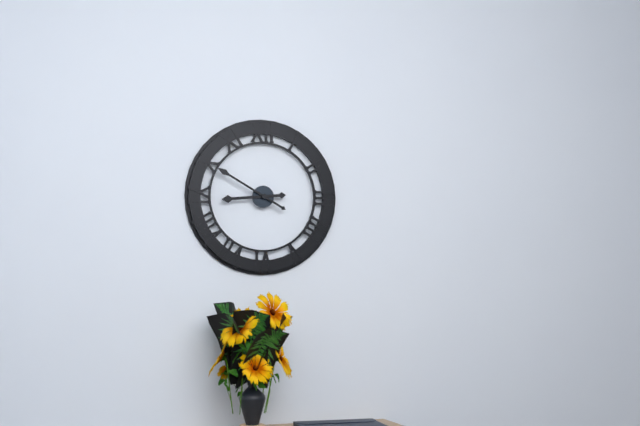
8:50
